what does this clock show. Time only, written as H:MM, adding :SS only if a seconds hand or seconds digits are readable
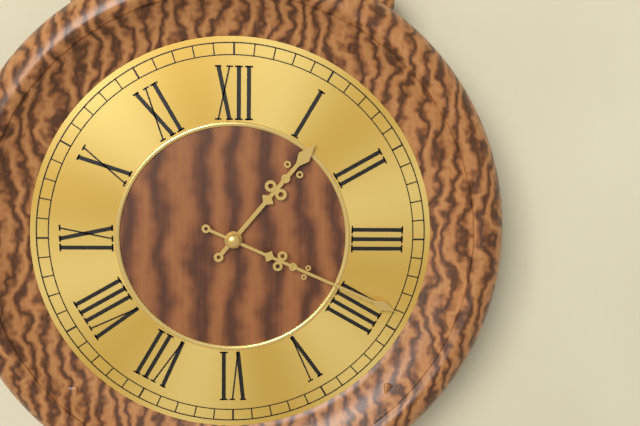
1:19
